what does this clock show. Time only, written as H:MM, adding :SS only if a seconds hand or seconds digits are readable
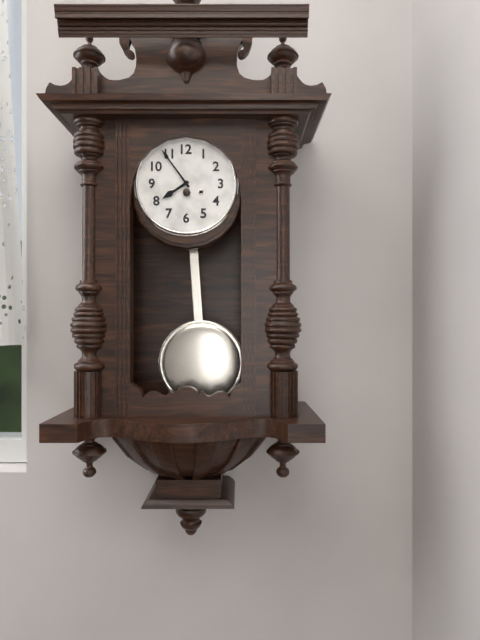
7:54
